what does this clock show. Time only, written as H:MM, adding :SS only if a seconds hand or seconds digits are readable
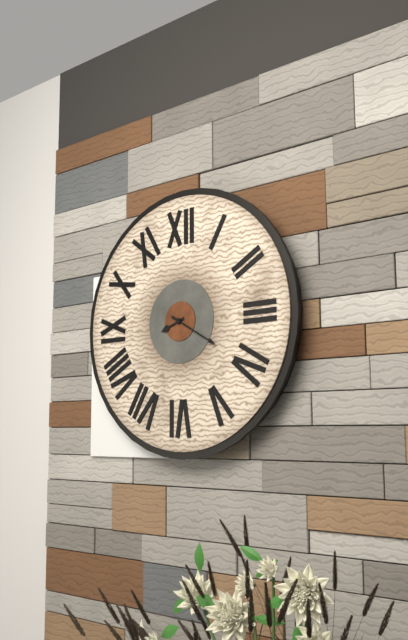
8:20
